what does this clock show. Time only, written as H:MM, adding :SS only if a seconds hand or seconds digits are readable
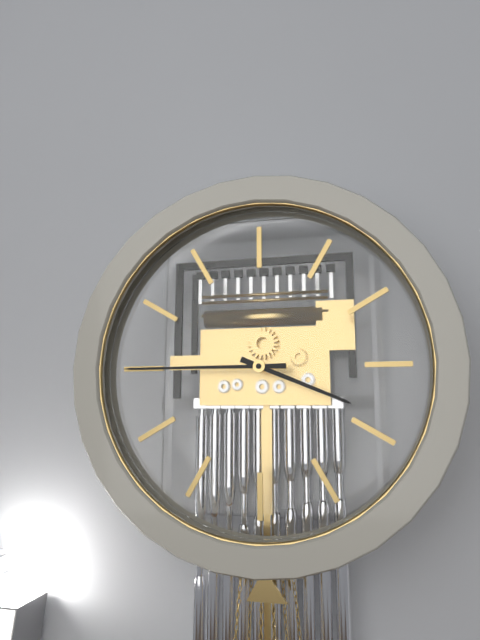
3:45
